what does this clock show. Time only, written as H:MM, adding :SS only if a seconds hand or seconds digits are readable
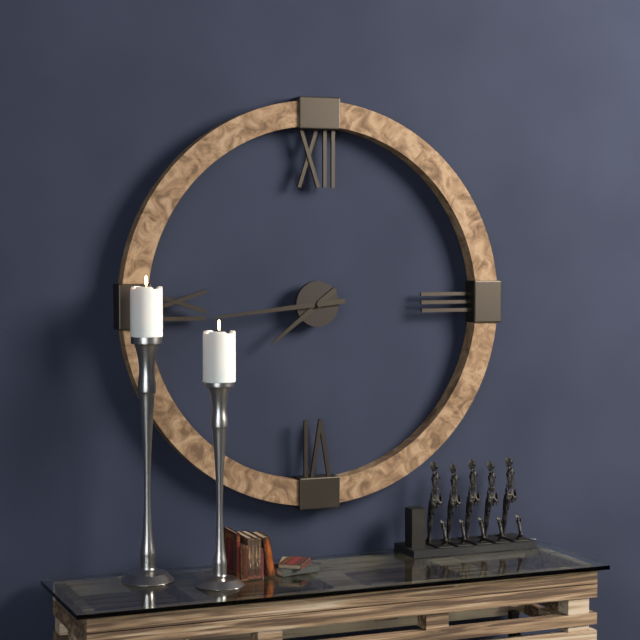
7:44
